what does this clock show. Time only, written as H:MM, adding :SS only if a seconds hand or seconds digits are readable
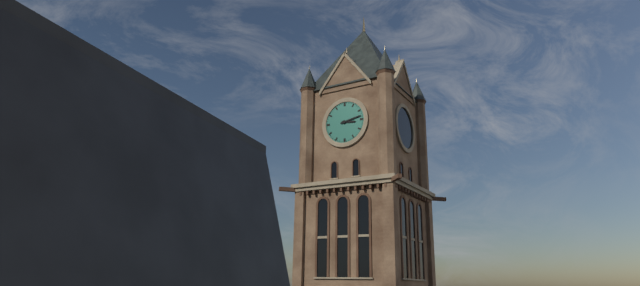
3:13
